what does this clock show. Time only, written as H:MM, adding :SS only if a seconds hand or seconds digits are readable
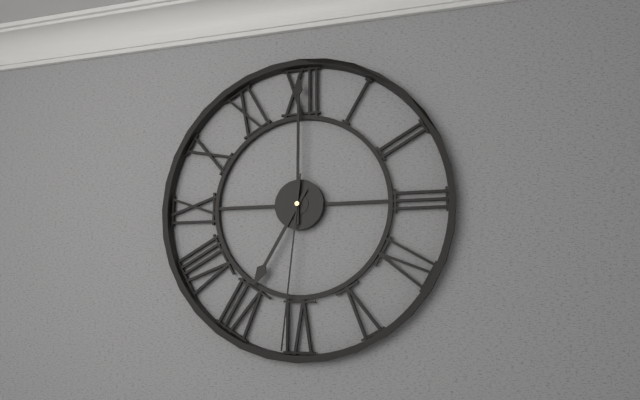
7:00:31
